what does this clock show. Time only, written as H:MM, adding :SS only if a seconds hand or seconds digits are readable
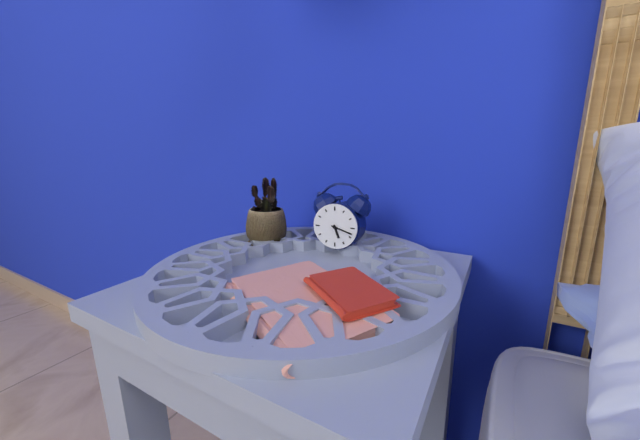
5:18
